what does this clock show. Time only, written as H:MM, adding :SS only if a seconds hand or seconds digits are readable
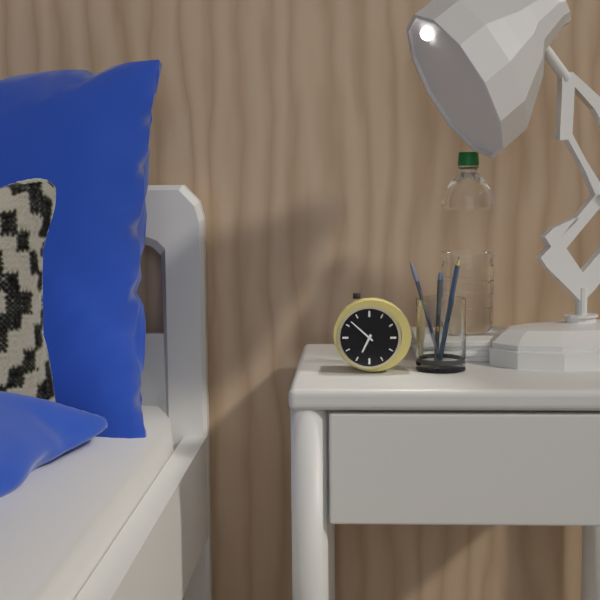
6:52
